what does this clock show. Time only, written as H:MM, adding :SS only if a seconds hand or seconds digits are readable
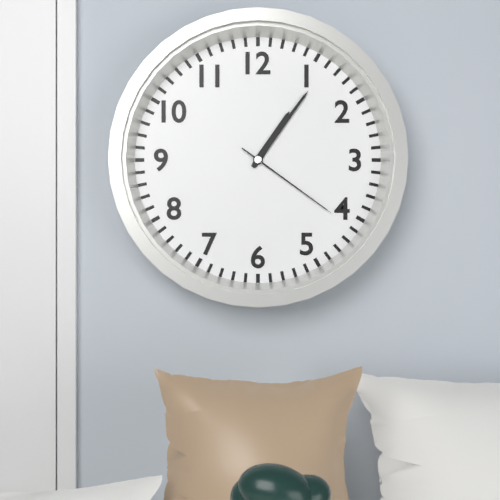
1:06:21
